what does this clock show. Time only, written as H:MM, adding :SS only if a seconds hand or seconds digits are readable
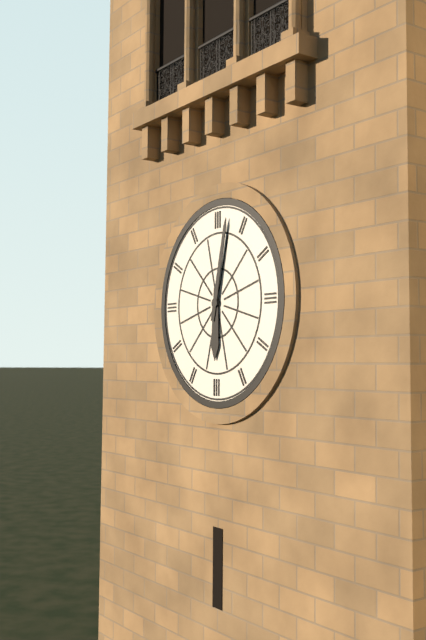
6:02
